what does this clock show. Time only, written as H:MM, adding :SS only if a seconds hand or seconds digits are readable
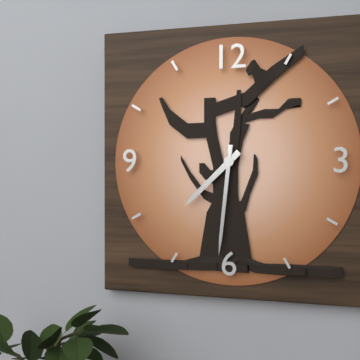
7:31
